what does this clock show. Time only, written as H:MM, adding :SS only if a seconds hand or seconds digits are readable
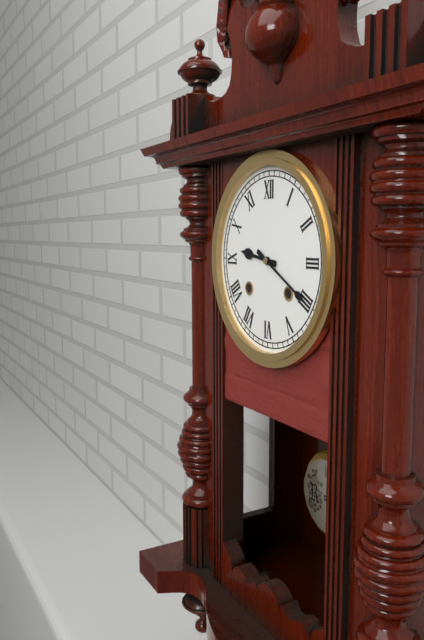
9:20
